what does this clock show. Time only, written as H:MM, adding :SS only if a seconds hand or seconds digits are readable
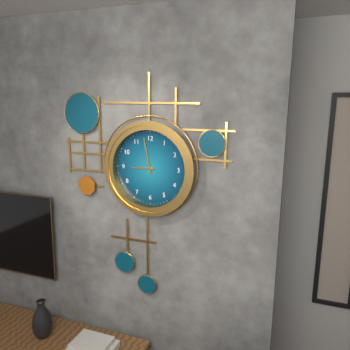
8:58
